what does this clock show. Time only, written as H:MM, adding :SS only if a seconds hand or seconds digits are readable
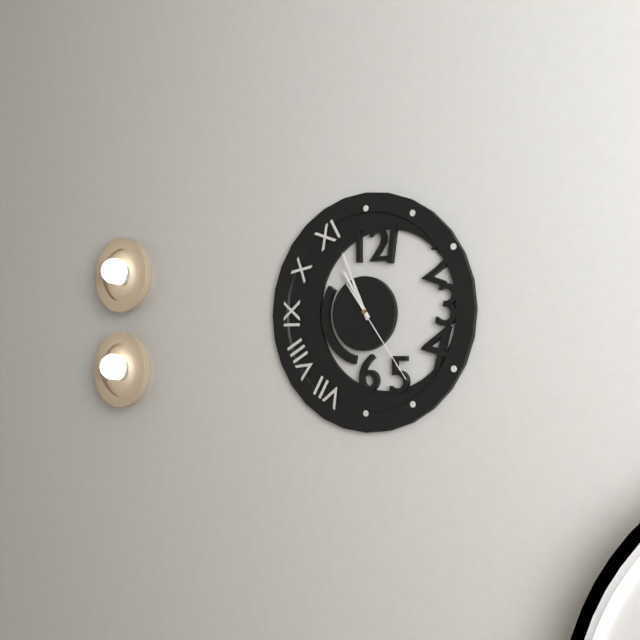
10:56:24
